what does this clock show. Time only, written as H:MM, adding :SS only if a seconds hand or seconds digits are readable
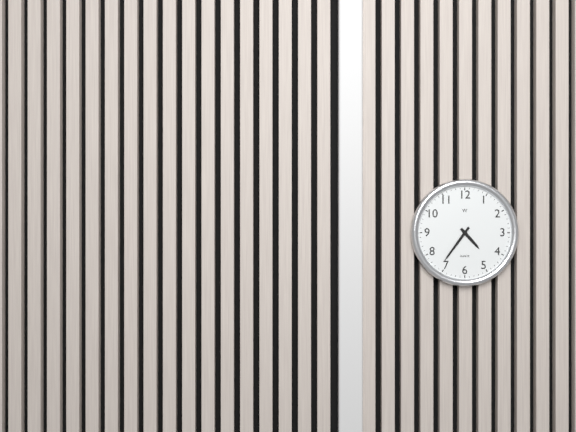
4:36
